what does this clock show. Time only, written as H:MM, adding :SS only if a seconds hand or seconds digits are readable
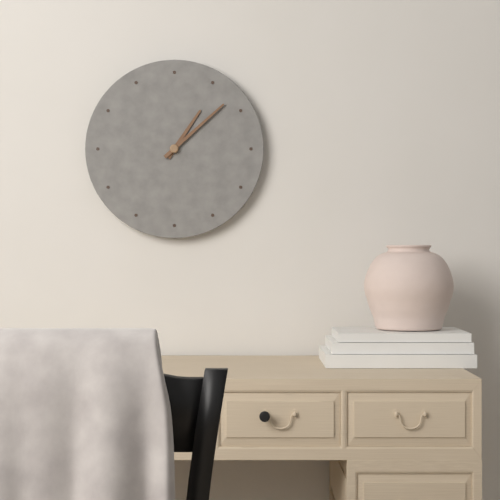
1:08
